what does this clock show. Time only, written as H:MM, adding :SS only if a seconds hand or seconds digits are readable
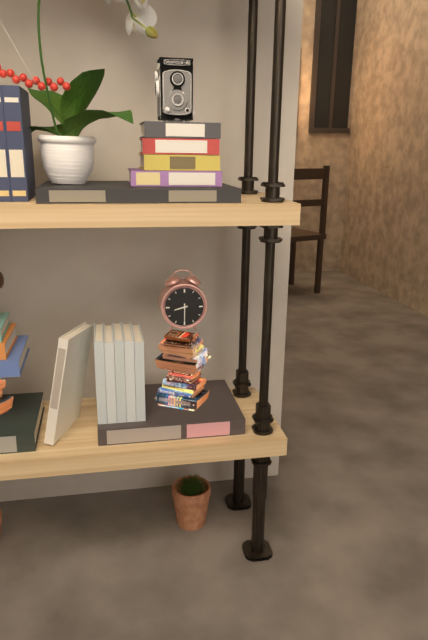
8:30
